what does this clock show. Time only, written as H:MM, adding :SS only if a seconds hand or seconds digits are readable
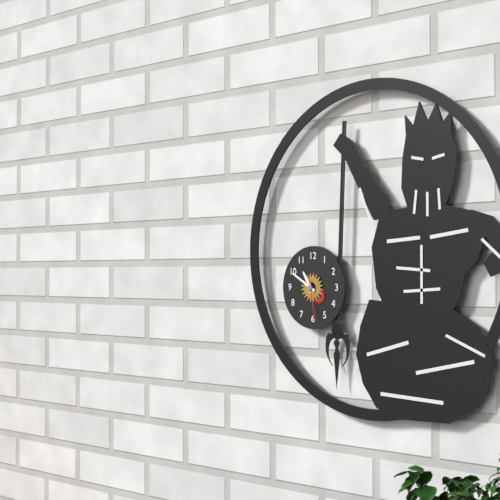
10:50
